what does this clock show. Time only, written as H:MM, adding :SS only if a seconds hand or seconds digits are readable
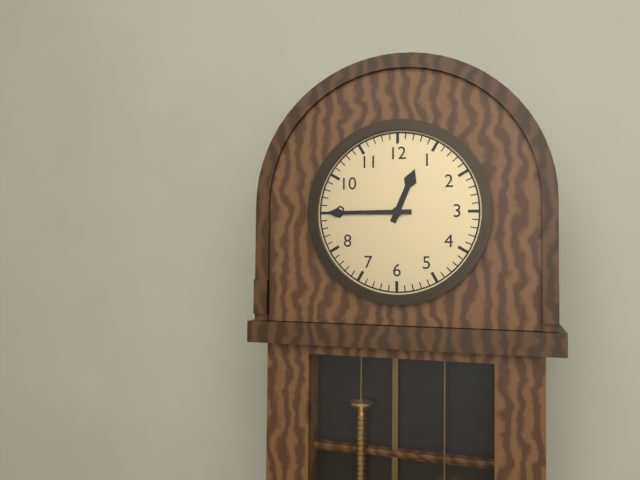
12:45
